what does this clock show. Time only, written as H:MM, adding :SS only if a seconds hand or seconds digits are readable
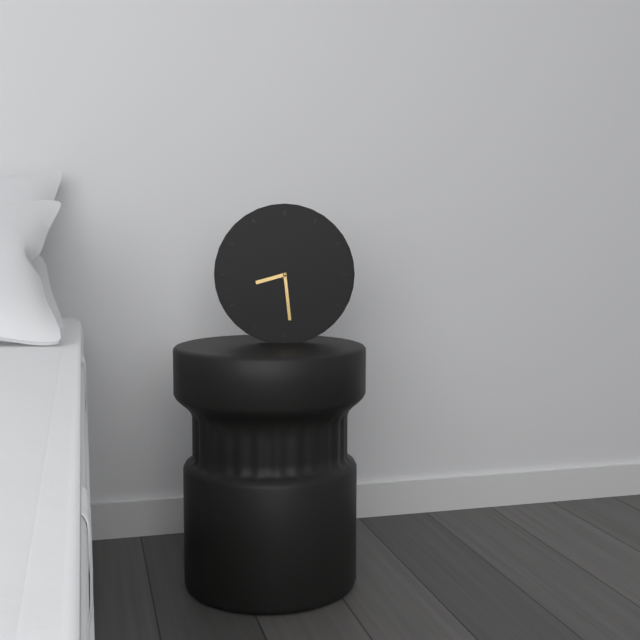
8:29
